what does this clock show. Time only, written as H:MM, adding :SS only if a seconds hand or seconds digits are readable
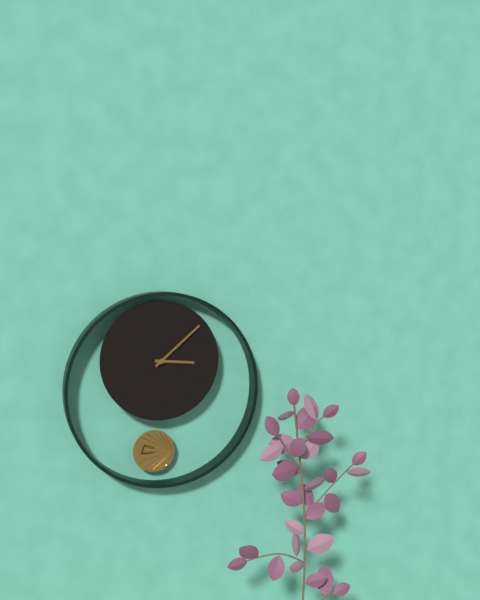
3:08
